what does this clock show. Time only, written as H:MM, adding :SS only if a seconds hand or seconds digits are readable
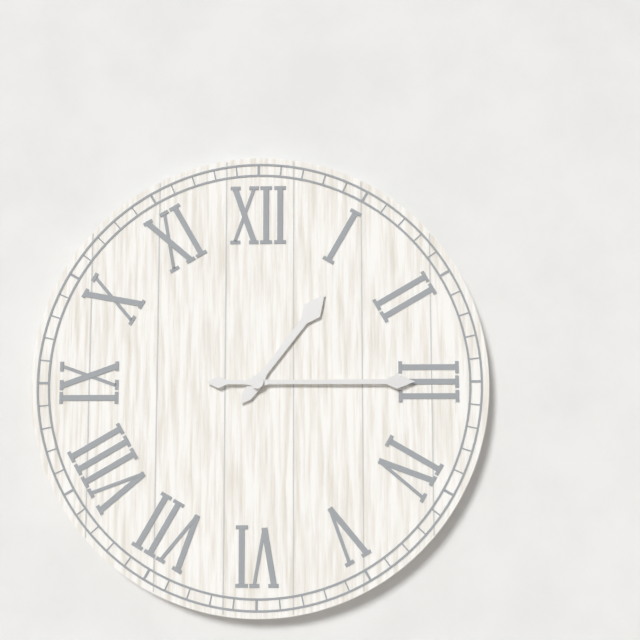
1:15
